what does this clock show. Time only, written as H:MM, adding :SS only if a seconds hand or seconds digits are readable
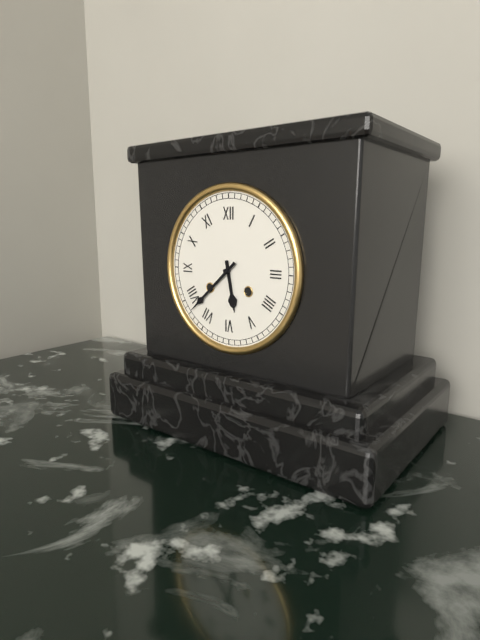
5:38
